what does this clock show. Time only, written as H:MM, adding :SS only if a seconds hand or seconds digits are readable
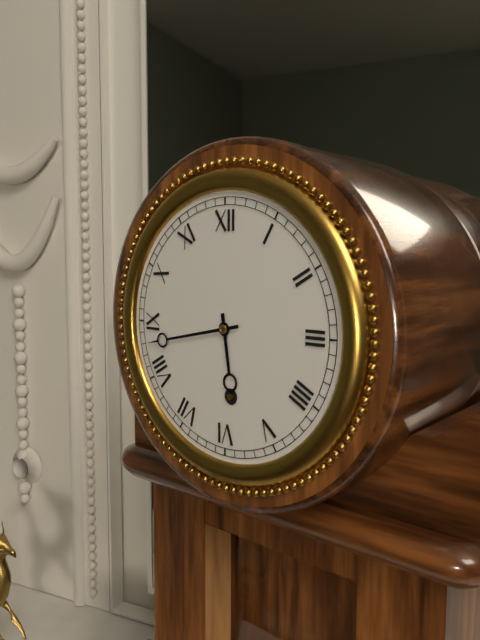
5:43
